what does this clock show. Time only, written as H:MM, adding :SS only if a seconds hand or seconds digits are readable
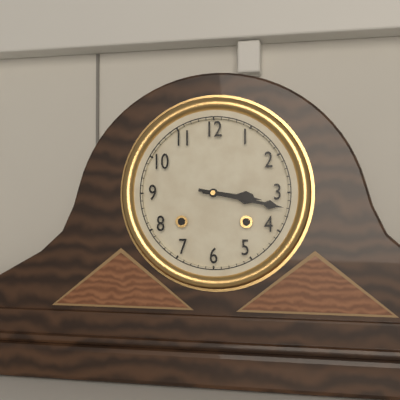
3:17
